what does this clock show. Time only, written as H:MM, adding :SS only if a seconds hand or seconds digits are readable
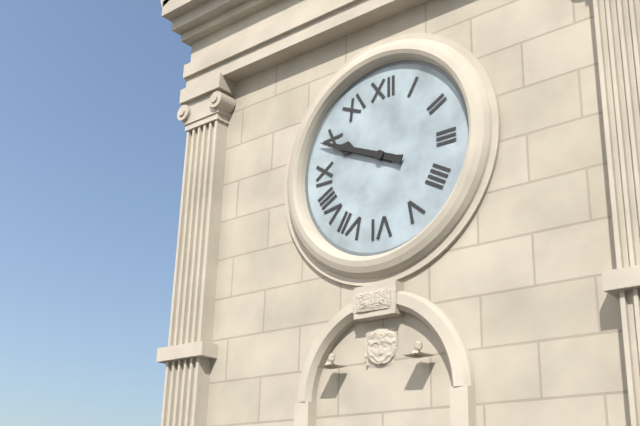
9:49
